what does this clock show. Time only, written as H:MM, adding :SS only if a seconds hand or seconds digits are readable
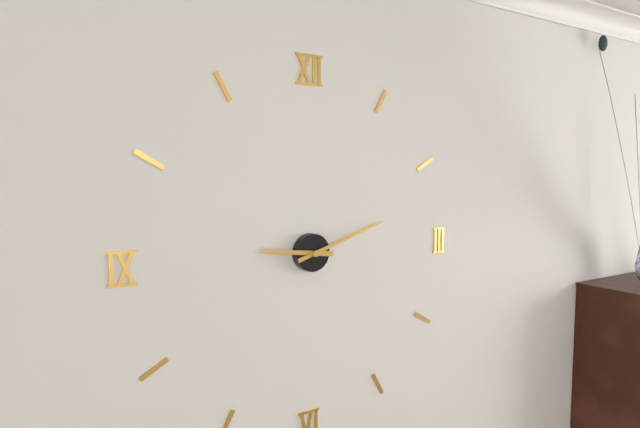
9:12
